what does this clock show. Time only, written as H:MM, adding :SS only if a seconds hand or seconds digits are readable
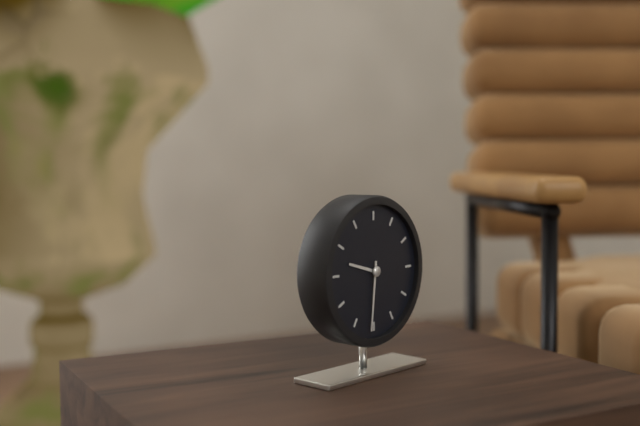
9:31
